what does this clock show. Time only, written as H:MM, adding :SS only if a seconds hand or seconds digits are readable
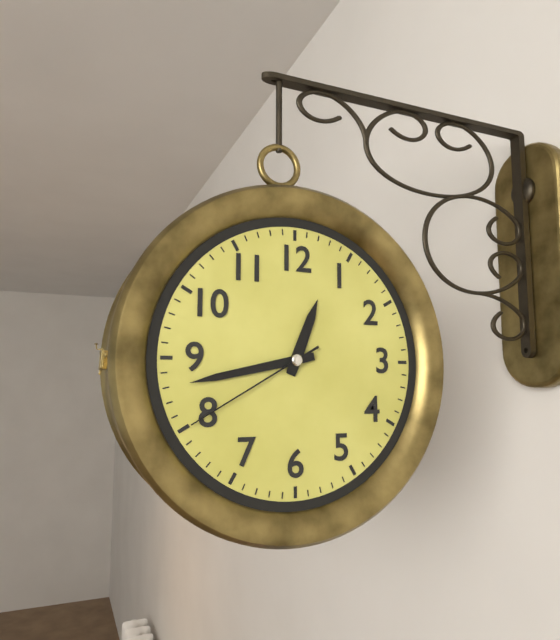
12:43:40
